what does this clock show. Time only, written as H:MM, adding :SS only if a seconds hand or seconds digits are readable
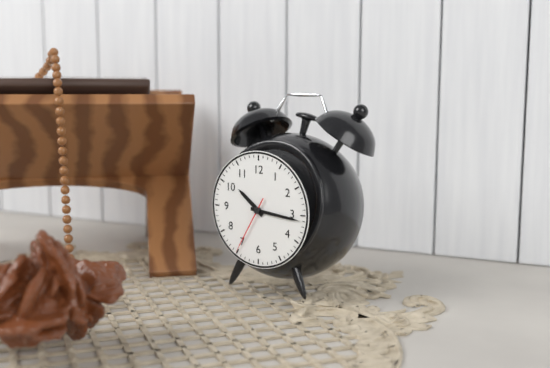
10:16:35
